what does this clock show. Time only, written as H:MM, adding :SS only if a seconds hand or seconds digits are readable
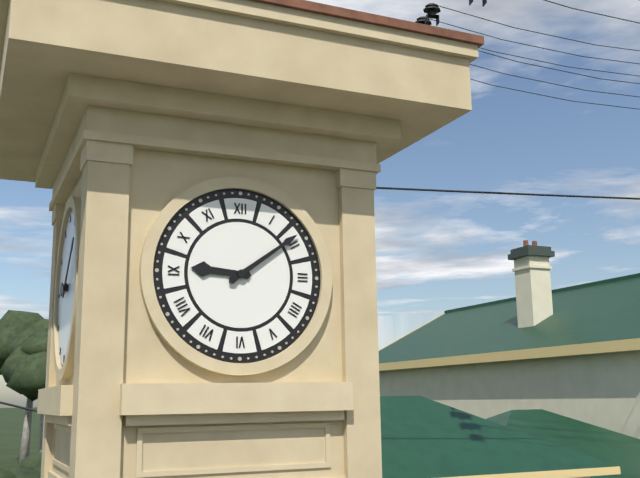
9:09
